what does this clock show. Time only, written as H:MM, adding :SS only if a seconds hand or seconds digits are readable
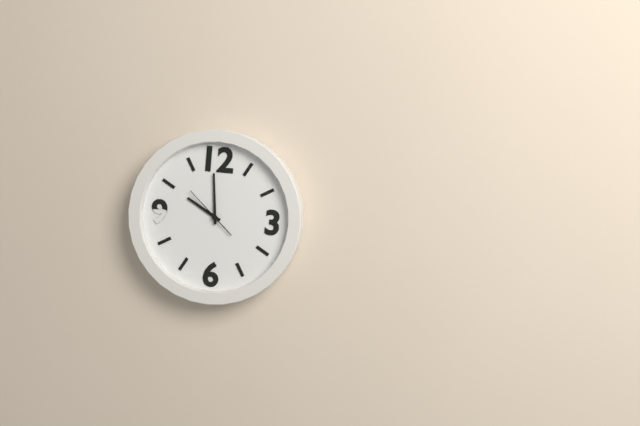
9:59
